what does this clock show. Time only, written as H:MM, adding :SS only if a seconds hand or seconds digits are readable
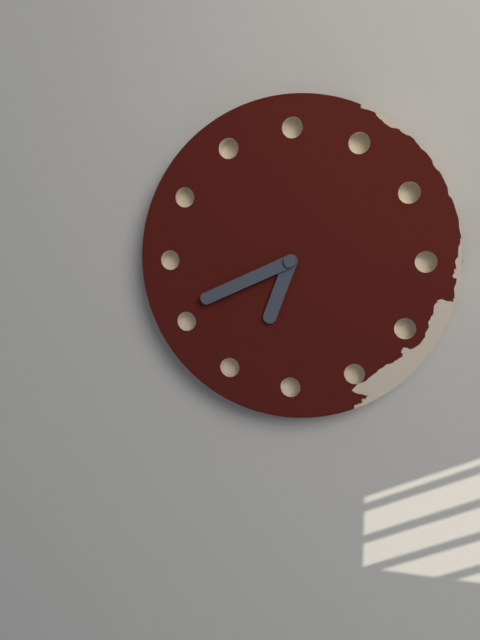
6:41
